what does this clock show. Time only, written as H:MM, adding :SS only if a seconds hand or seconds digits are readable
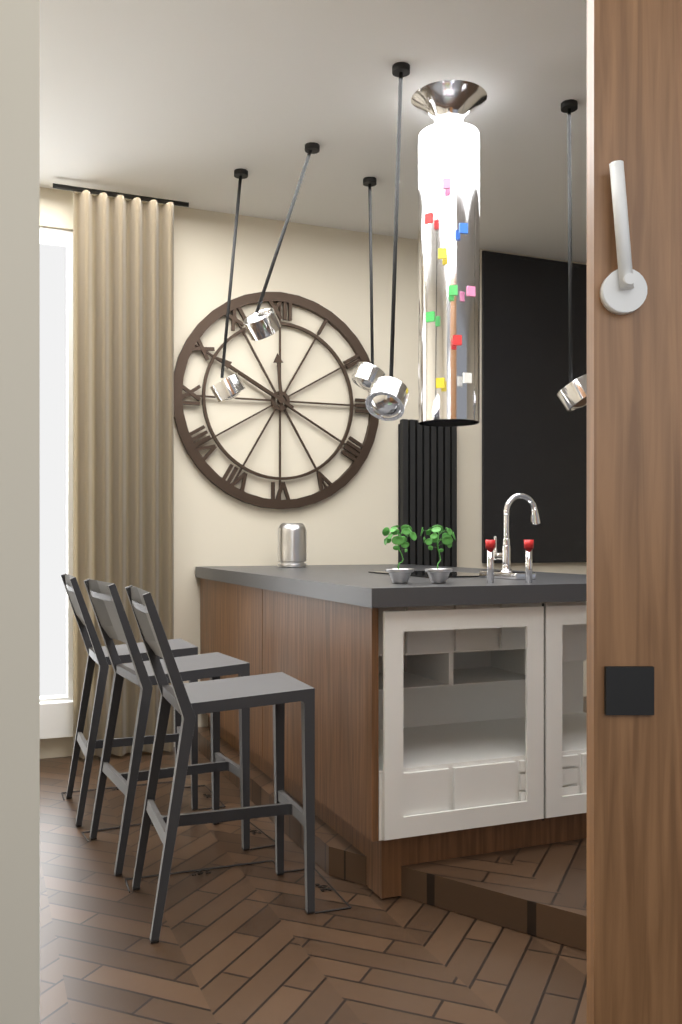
11:50
